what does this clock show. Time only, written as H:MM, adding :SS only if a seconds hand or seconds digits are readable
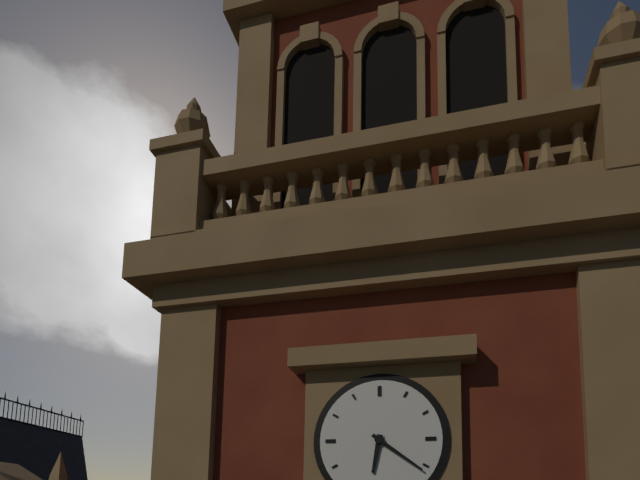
6:21
